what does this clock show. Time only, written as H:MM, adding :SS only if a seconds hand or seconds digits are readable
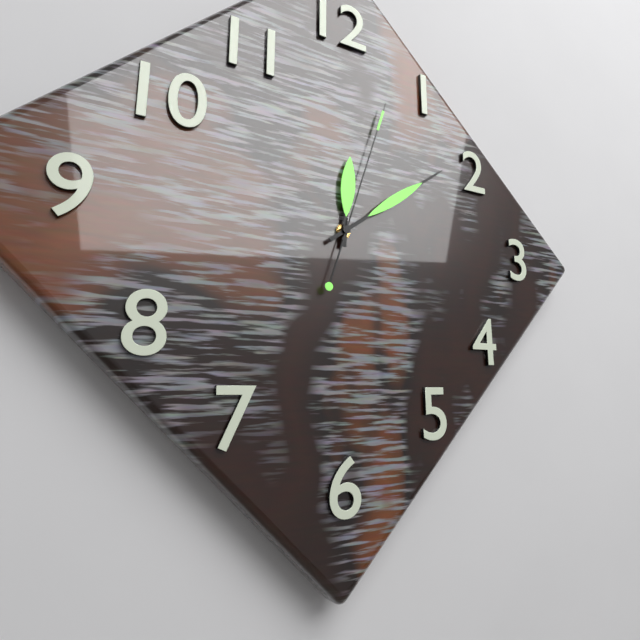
12:09:03
